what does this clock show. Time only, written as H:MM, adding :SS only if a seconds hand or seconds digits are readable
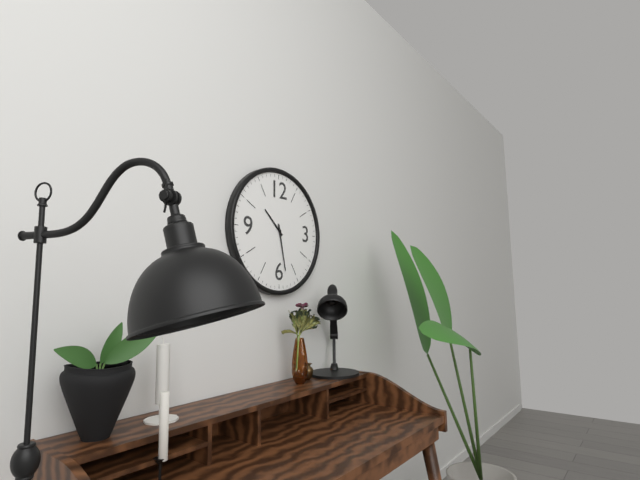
10:28
